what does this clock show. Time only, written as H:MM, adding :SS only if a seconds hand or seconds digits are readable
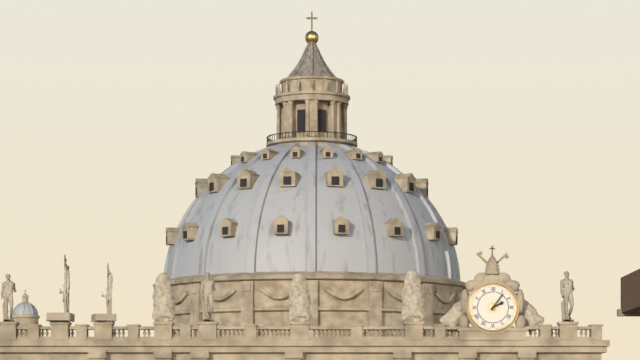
2:06
